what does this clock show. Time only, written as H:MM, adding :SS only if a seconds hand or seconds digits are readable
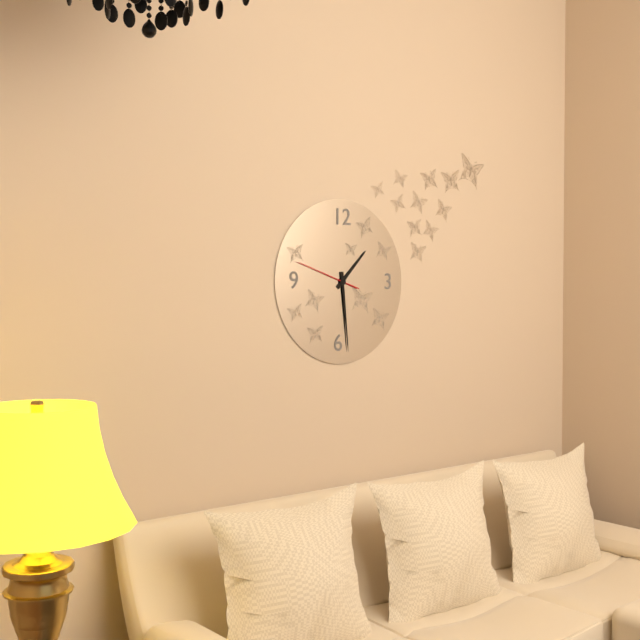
1:29:48
